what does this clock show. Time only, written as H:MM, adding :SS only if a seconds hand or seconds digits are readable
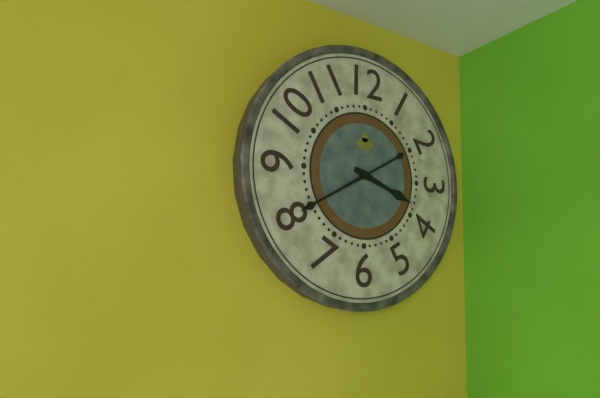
3:40
